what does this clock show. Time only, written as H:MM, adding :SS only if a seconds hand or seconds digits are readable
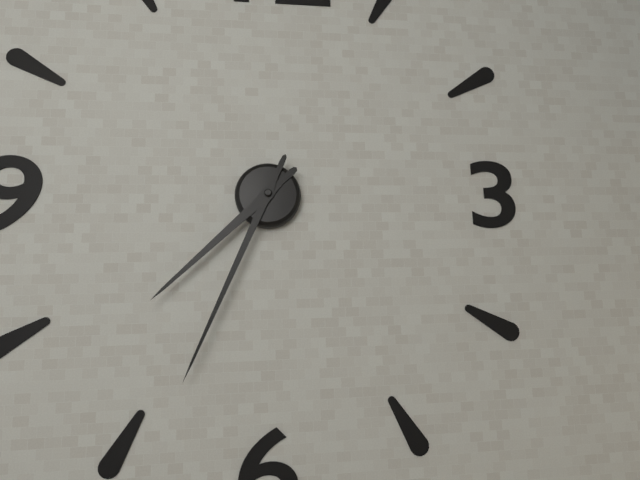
7:34
